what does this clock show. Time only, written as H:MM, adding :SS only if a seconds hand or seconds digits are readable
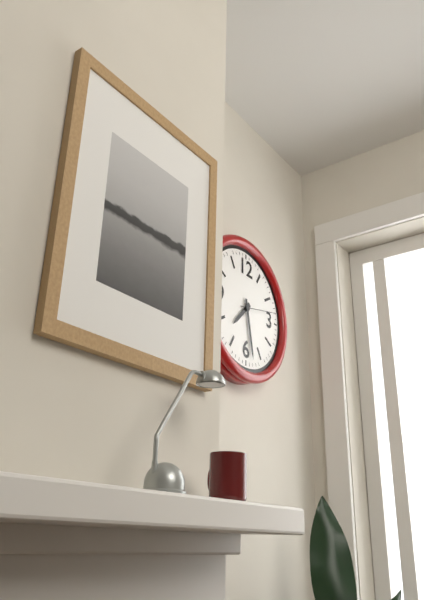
7:28
